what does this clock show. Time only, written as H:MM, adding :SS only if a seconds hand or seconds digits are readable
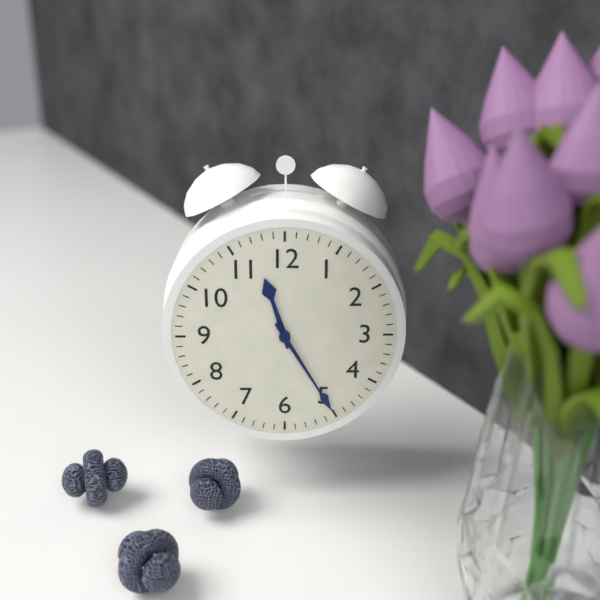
11:25
